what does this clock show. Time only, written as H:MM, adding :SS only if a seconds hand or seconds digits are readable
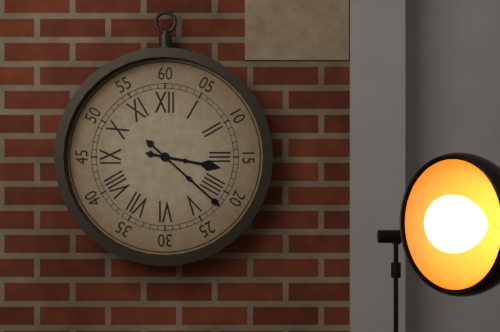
3:22
